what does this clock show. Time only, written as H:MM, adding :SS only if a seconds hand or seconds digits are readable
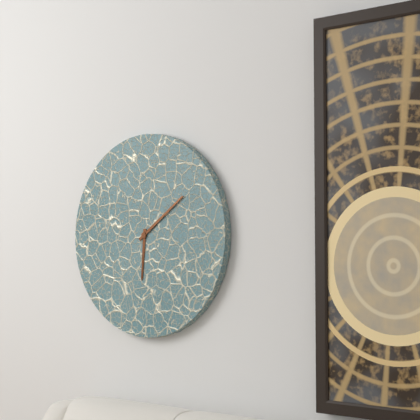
6:09
